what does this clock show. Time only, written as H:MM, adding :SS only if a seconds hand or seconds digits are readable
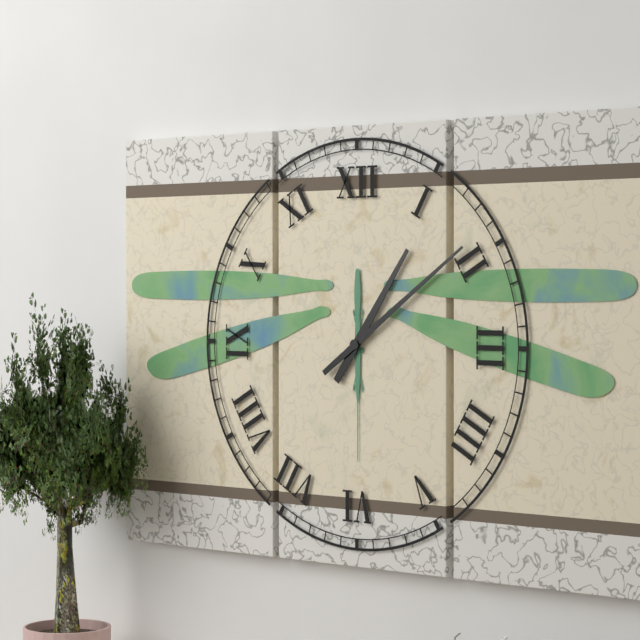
1:09
